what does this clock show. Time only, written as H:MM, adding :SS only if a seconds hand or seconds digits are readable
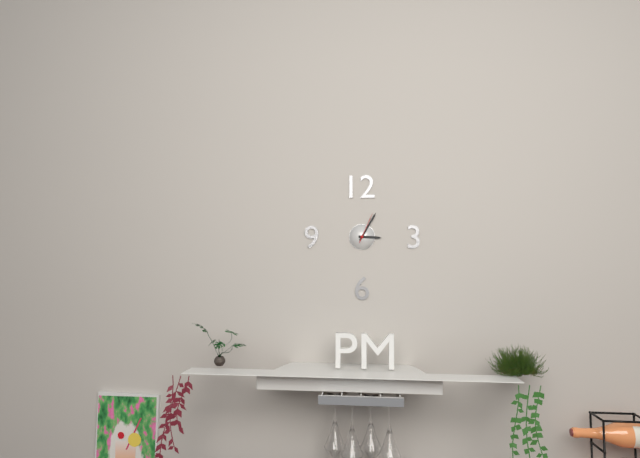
3:05
